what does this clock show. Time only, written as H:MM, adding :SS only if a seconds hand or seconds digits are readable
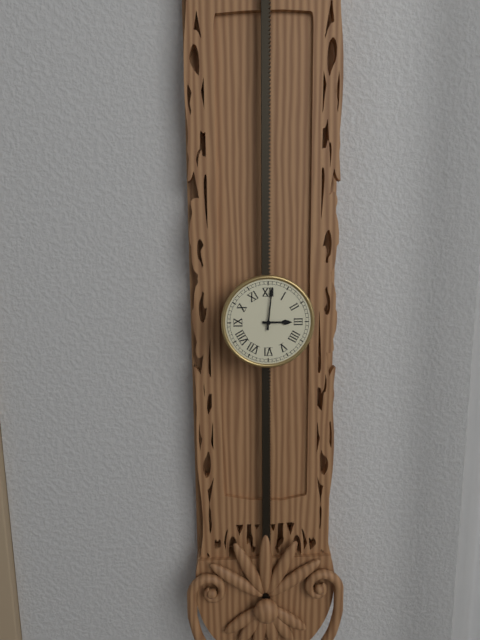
3:01
